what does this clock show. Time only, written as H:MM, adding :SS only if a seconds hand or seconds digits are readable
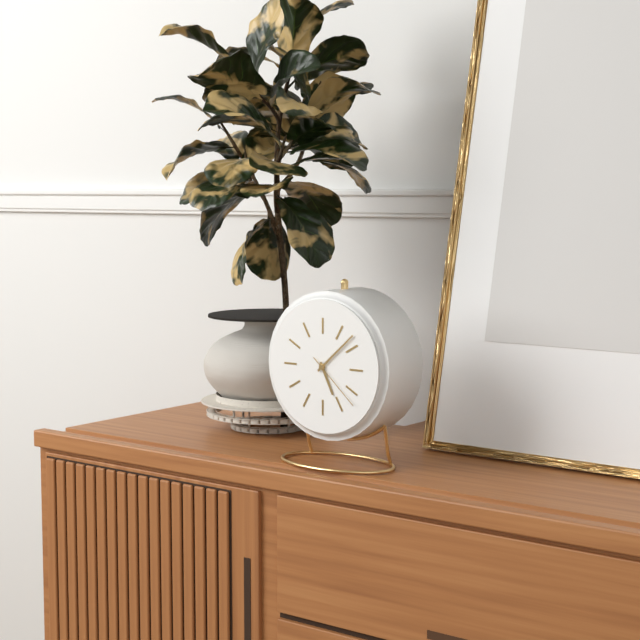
5:08:22
